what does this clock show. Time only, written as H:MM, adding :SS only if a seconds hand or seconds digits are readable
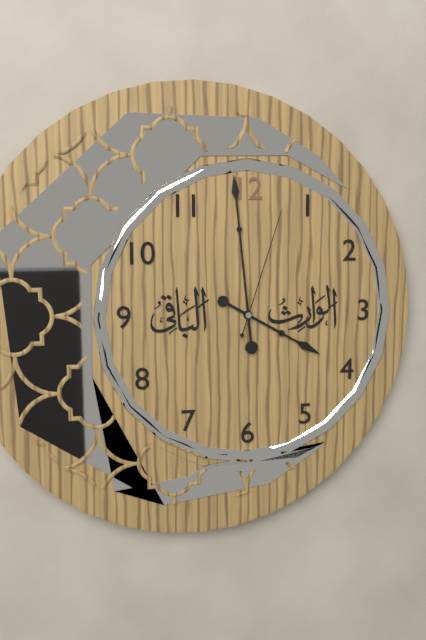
3:59:03
